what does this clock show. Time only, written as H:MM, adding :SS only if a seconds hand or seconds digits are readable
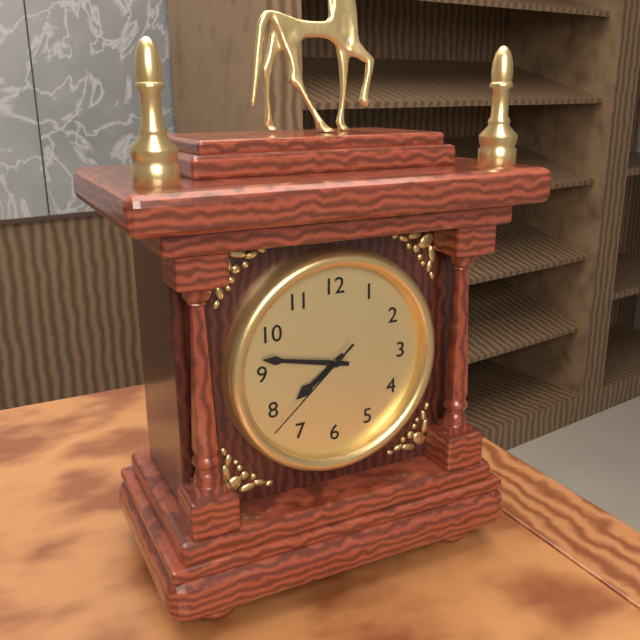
7:47:38
